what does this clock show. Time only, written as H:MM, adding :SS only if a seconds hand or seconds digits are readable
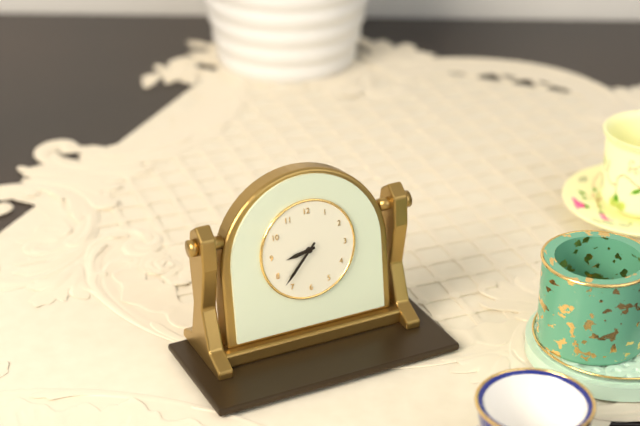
8:37
